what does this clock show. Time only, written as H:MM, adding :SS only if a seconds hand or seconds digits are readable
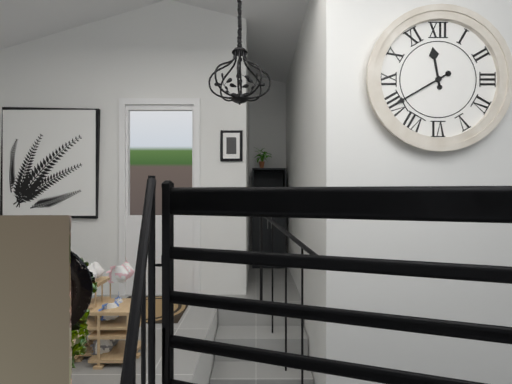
11:40
